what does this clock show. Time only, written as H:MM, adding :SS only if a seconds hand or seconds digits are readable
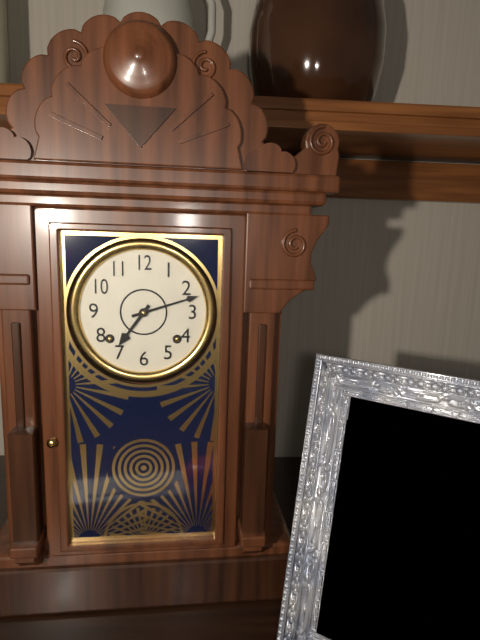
7:12
